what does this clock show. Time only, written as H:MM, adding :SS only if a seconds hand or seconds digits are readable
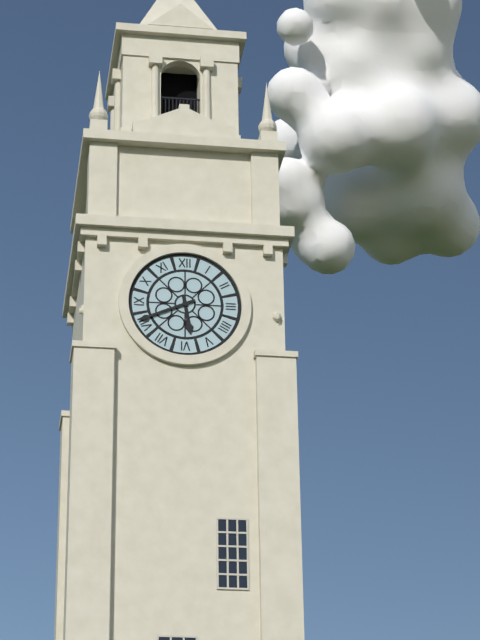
5:41
